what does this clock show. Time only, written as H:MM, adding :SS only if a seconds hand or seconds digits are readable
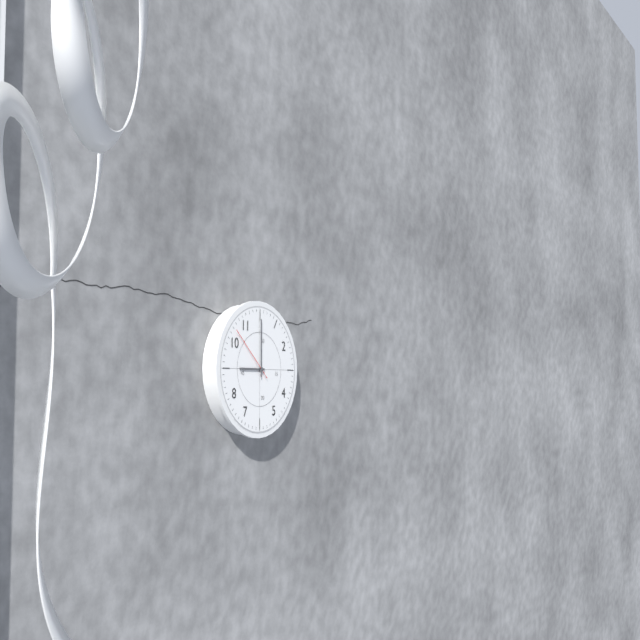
9:00:52
